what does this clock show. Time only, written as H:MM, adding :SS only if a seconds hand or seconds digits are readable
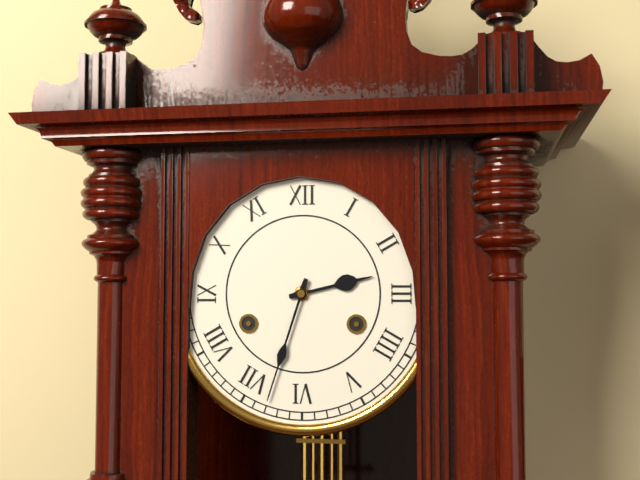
2:33
